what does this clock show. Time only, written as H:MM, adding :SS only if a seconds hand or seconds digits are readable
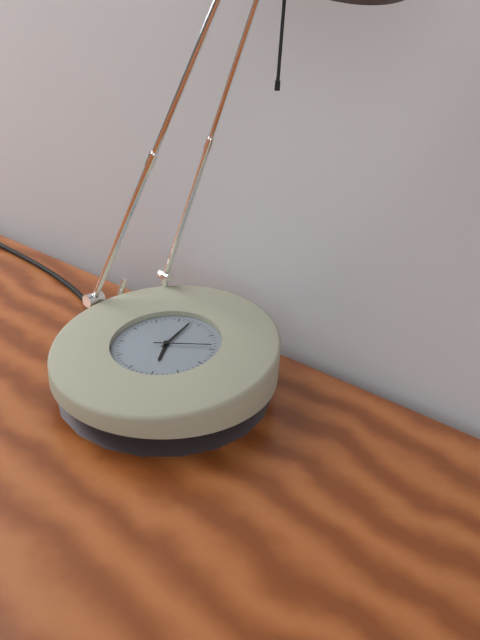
4:58:09
